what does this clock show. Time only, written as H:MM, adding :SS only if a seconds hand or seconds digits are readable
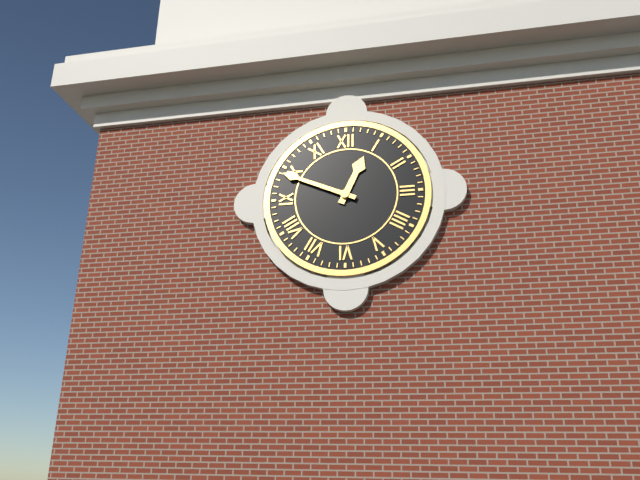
12:49
